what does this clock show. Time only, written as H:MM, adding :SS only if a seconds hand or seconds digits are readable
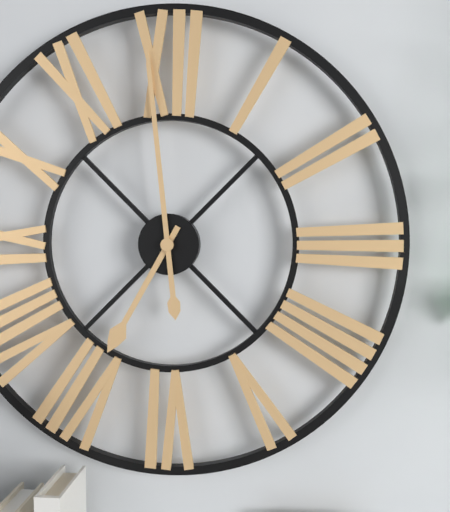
6:59
